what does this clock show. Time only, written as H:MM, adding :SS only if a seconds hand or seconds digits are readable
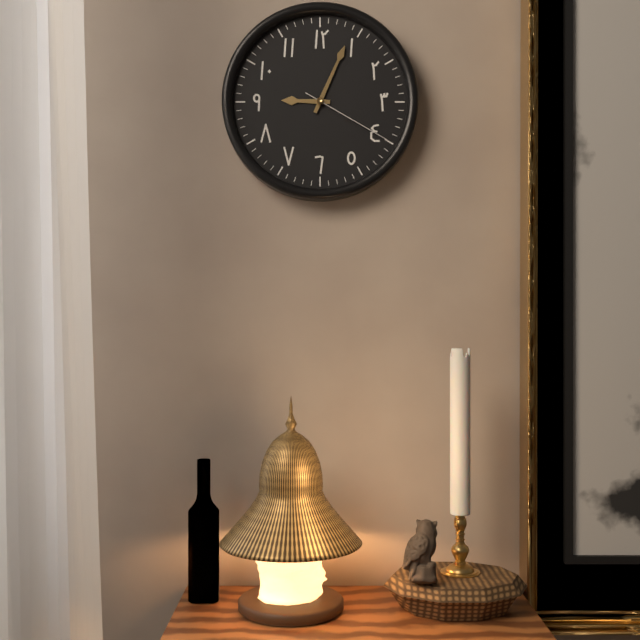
9:04:20
